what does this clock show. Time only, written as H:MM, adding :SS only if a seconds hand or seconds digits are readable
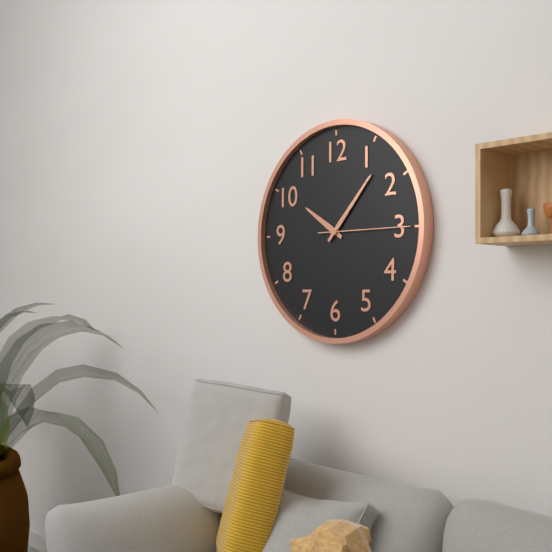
10:07:15
